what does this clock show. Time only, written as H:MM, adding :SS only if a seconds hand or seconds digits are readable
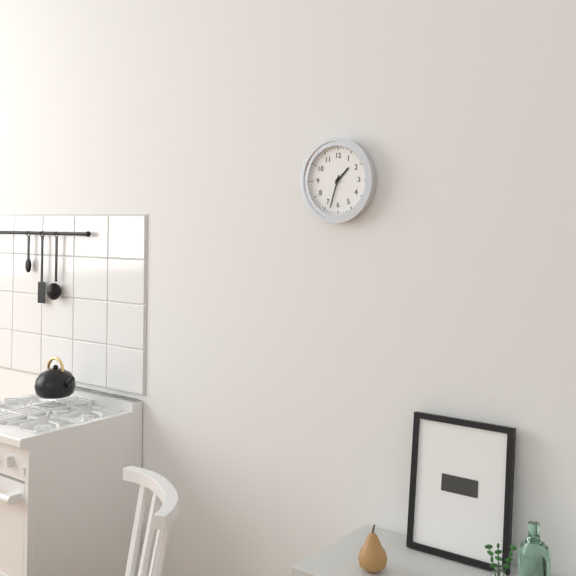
1:33
